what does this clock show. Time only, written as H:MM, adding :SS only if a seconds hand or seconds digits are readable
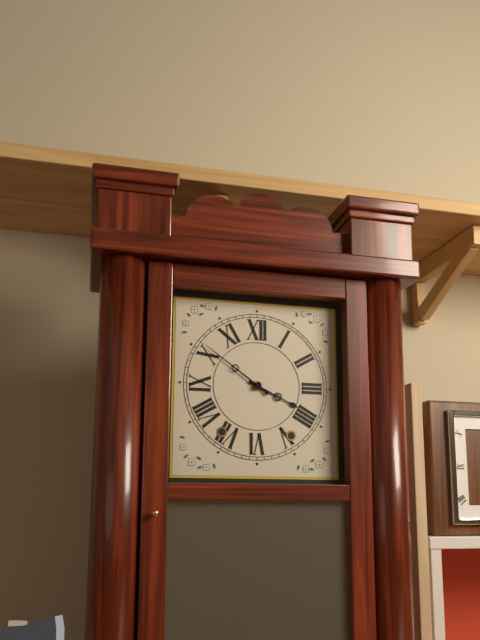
3:51
